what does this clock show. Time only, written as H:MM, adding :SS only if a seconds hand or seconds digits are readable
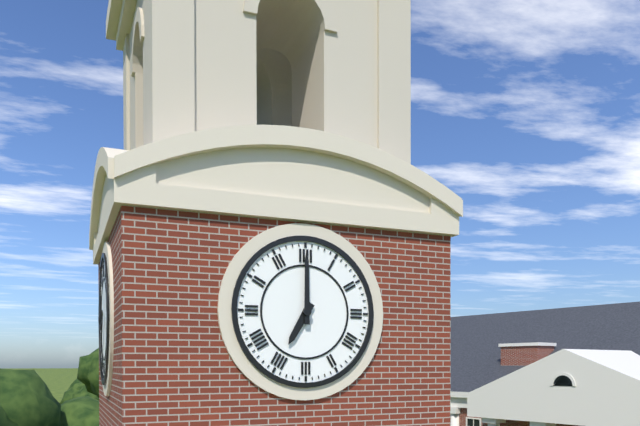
7:00
